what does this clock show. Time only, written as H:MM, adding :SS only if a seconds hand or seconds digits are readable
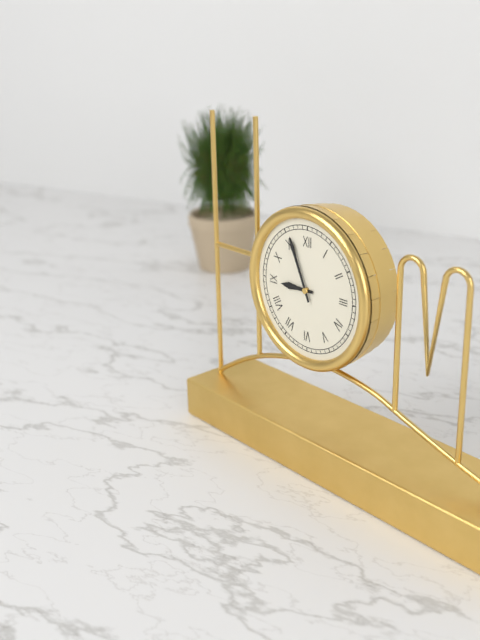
8:56
